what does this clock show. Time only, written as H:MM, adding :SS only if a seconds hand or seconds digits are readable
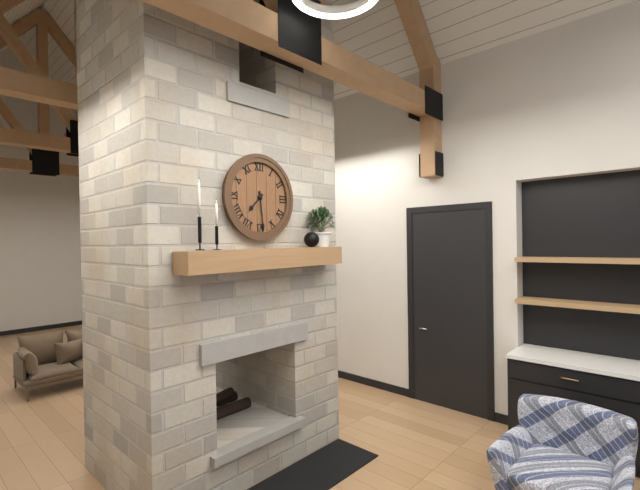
7:29
